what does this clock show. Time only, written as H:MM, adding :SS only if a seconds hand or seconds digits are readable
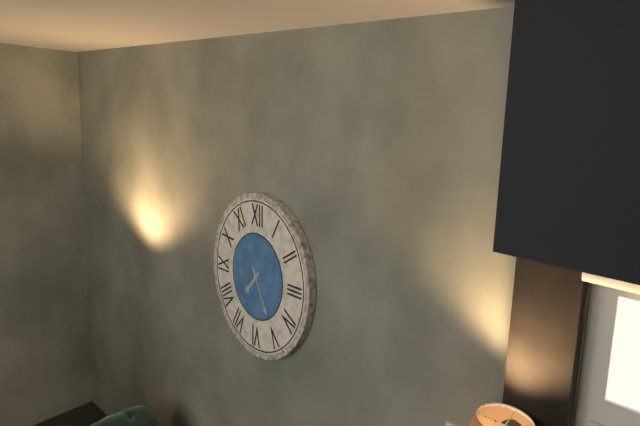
7:25
